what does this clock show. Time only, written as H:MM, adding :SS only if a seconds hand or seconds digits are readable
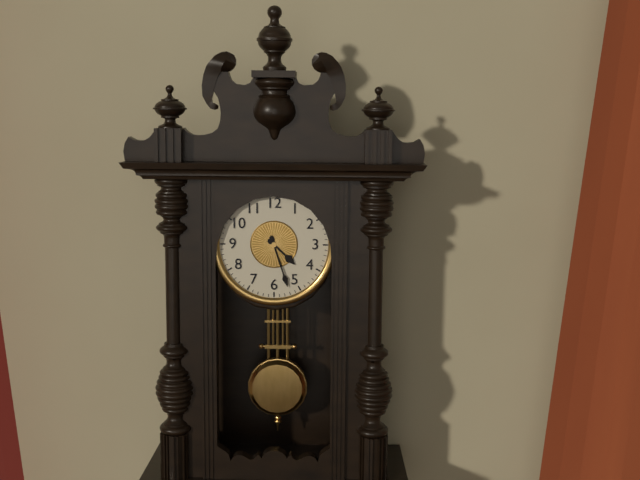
4:27
